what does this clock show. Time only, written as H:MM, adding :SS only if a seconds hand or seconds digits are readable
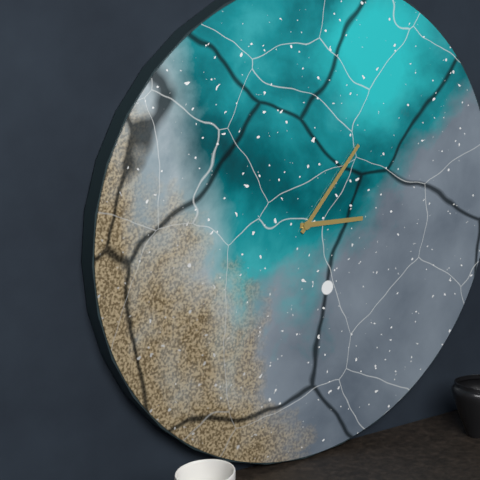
3:07
